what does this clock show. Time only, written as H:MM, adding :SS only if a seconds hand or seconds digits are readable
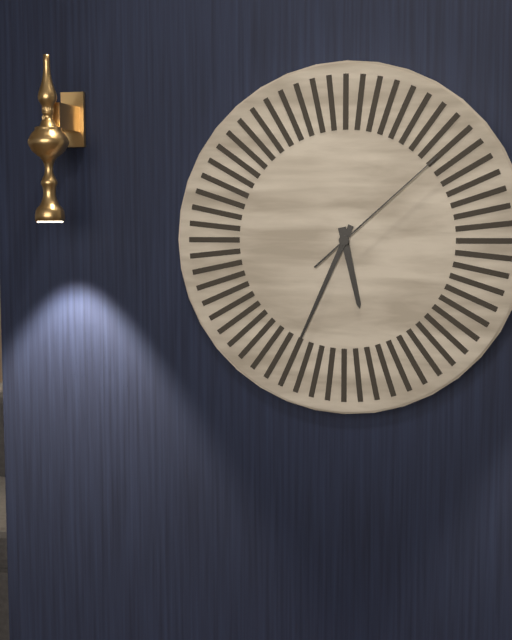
5:34:08
